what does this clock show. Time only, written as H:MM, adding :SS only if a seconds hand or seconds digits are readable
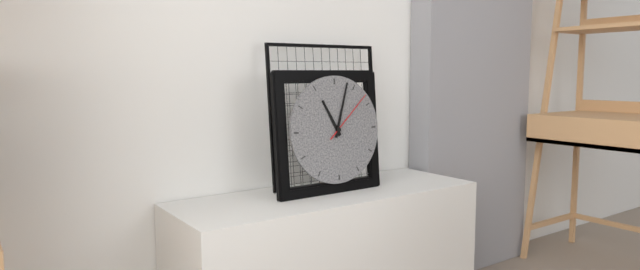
11:03:08
